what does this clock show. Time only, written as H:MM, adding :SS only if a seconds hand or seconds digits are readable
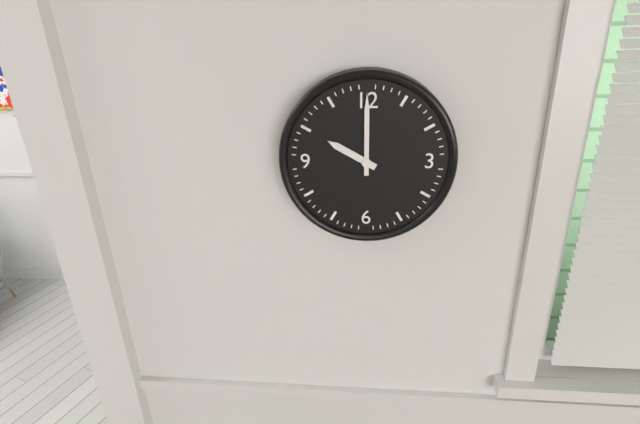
10:00
